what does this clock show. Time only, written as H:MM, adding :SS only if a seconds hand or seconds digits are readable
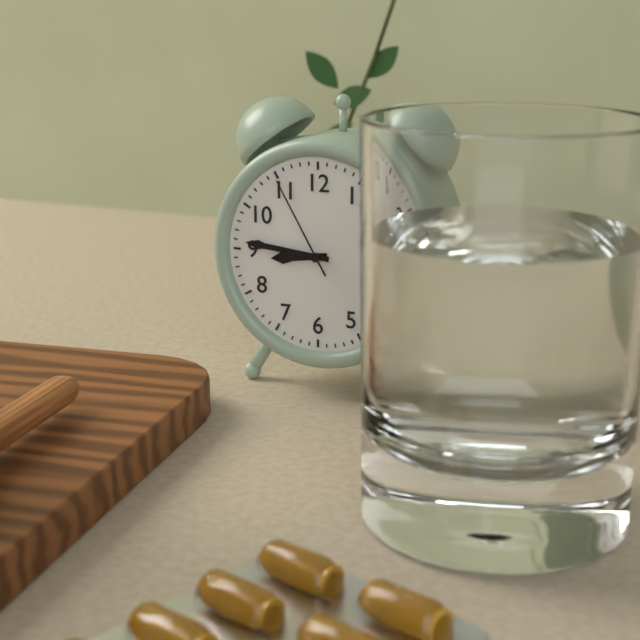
8:46:55
